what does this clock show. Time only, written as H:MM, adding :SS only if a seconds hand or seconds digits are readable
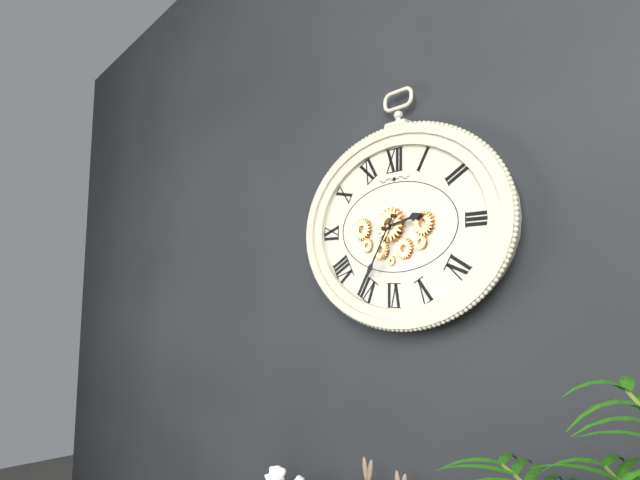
2:35
